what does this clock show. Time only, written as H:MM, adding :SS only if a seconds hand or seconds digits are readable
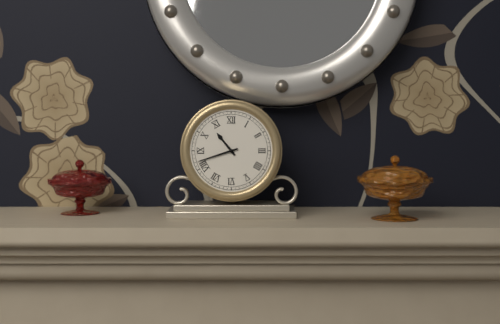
10:42
